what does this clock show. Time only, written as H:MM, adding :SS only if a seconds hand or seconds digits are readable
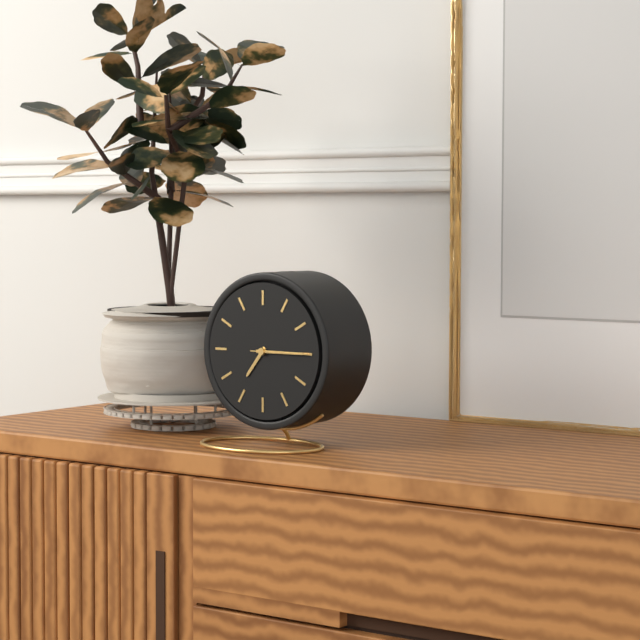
7:15:15
